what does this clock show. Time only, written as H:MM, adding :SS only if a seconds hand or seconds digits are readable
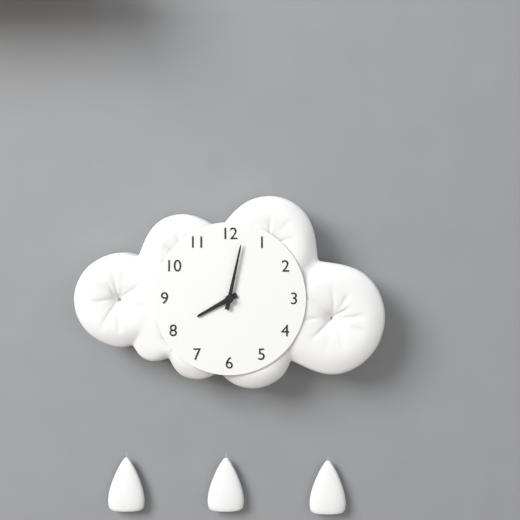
8:02
